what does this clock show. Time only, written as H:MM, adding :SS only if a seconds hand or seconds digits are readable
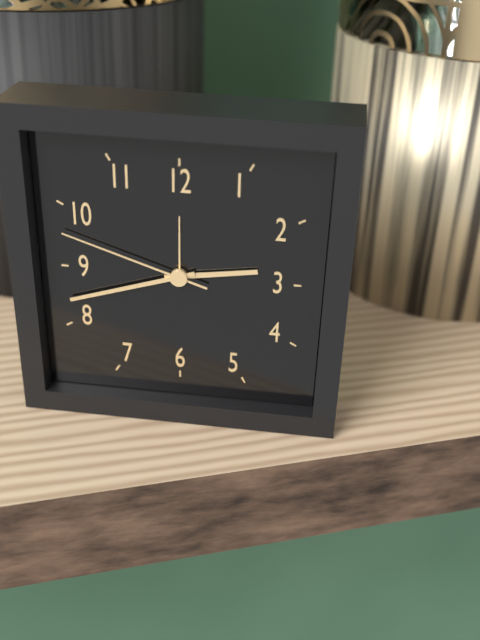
2:42:48
